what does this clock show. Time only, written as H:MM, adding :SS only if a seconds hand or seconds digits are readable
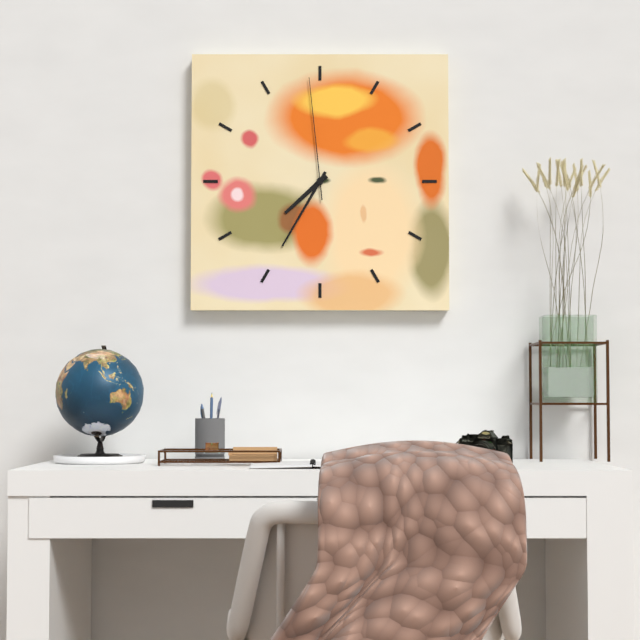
7:35:59
